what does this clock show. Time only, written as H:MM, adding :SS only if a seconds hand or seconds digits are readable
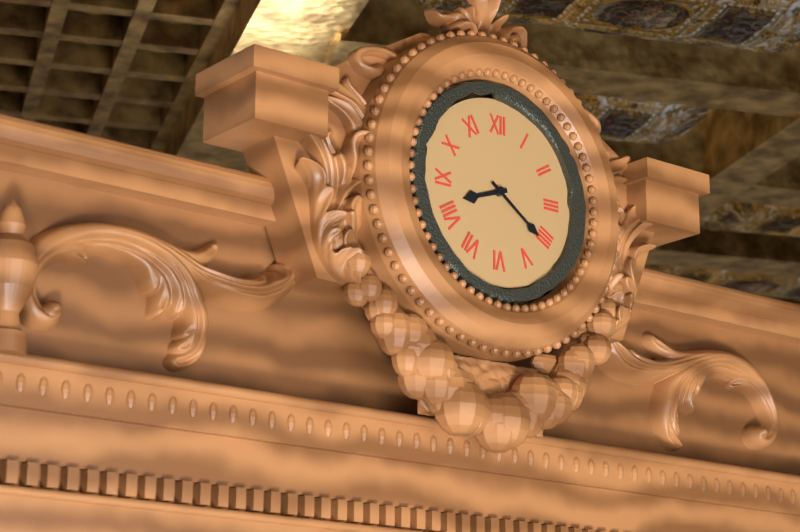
8:21
